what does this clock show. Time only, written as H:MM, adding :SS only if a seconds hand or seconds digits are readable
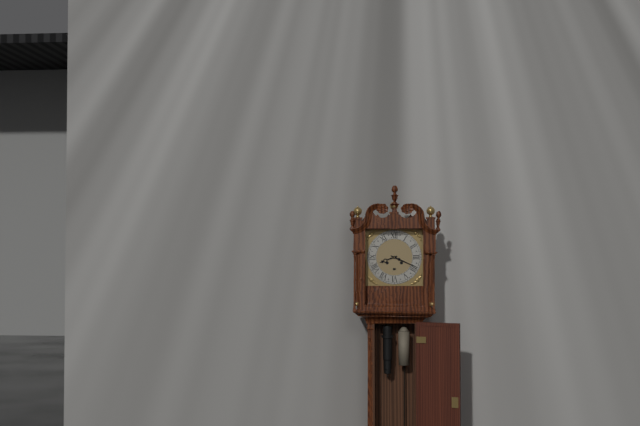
8:19
